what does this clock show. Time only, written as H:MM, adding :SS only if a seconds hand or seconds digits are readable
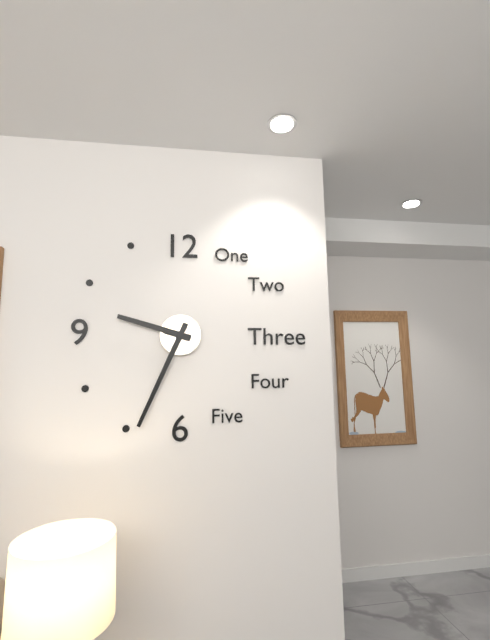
9:34
